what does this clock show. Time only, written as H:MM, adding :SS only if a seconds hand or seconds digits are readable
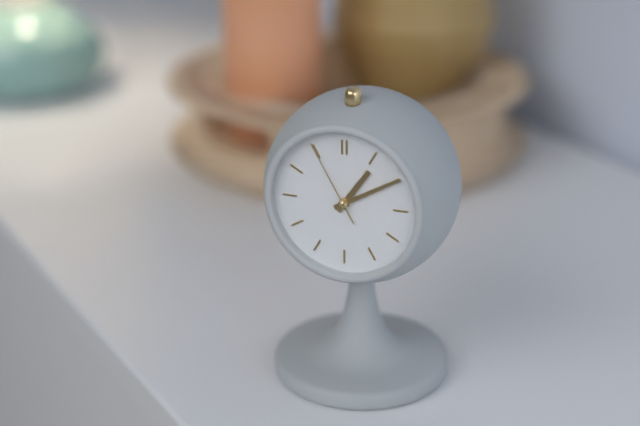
1:10:55
